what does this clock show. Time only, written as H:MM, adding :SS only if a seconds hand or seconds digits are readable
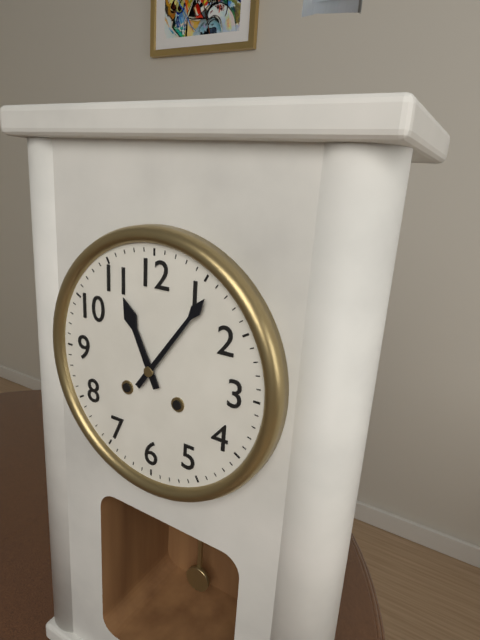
11:06
